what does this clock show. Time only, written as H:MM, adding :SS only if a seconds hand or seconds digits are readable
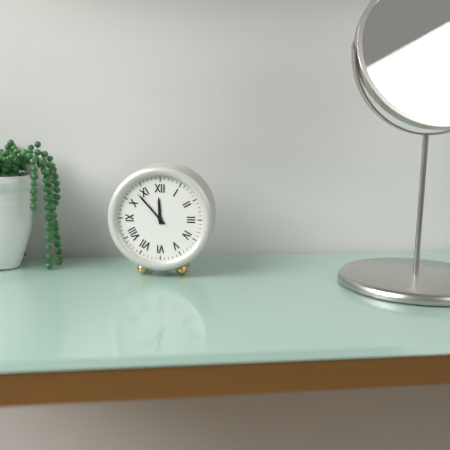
11:53
